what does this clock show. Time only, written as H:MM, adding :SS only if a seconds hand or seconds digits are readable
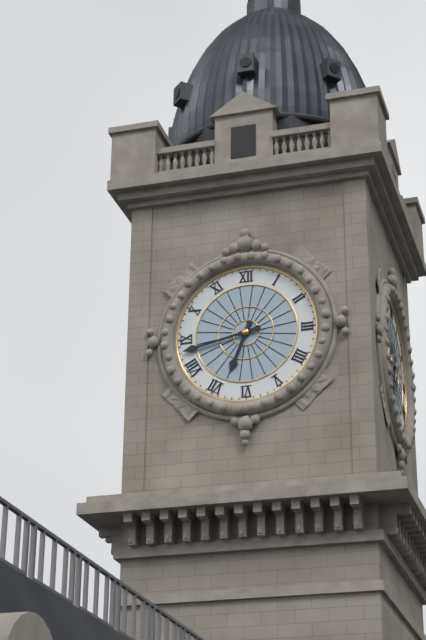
6:43
